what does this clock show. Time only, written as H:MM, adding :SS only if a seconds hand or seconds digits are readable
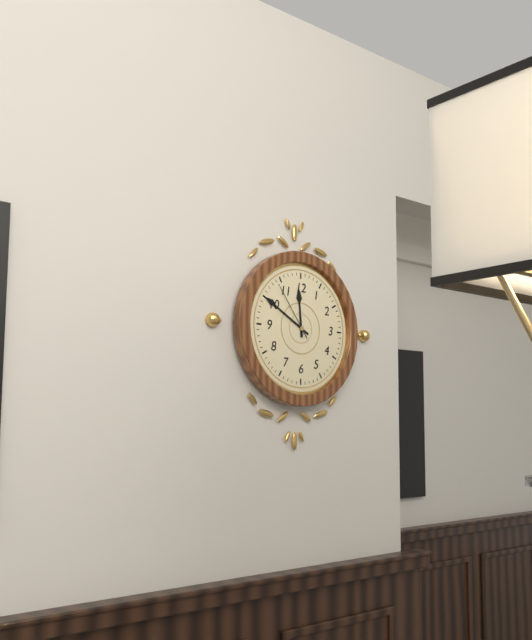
11:50:54
